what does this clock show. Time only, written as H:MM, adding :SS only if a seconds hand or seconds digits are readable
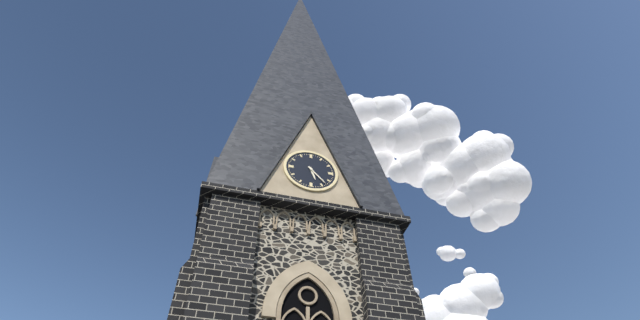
5:23
